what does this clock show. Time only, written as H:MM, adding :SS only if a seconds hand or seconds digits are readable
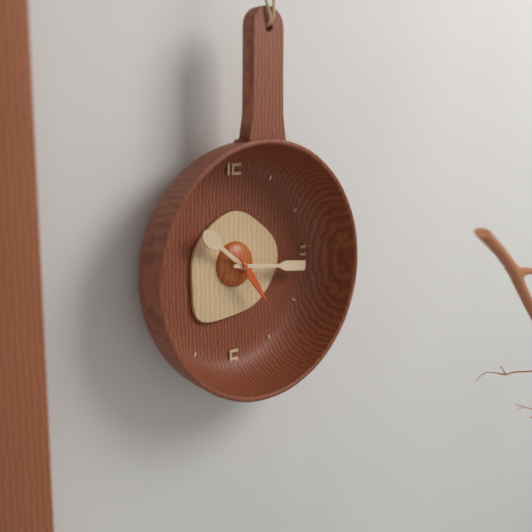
10:16:24
